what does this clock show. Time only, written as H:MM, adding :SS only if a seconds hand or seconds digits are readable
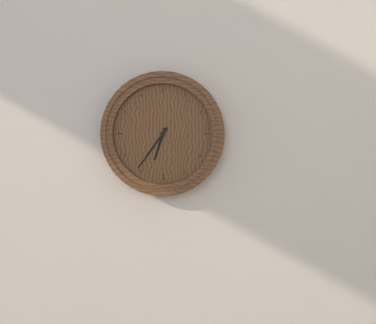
6:36
